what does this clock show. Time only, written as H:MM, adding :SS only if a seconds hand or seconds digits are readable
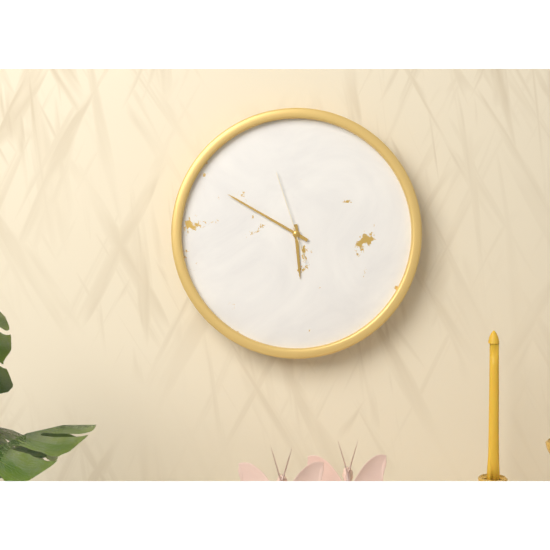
5:50:57
